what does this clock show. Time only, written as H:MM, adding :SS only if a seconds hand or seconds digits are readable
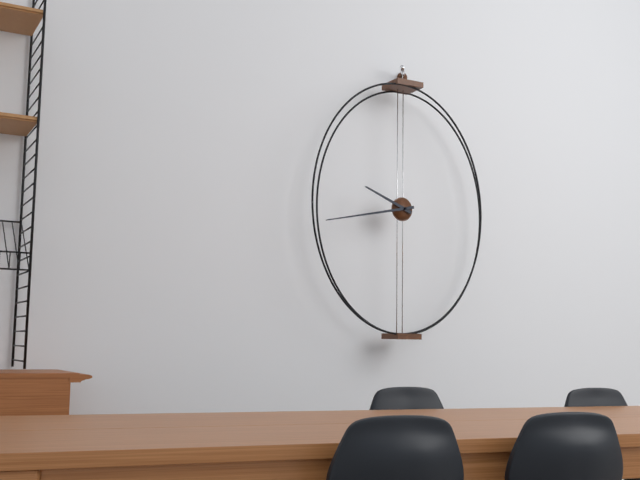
9:43
